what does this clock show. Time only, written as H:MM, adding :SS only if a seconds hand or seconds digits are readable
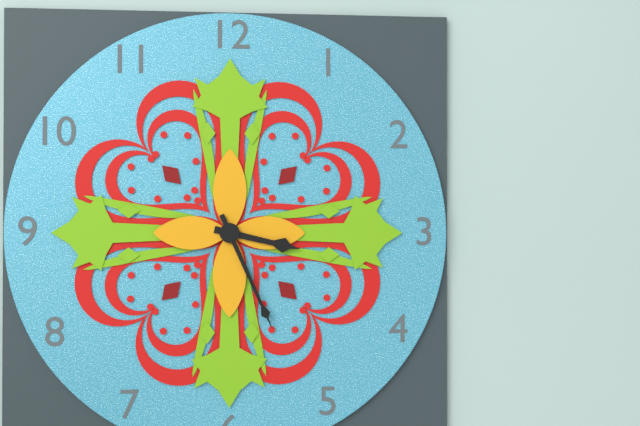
3:26
